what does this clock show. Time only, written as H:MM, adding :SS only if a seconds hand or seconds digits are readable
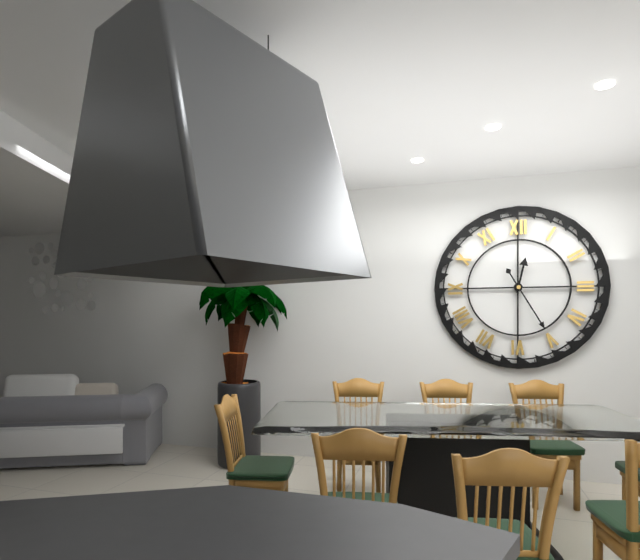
12:25
